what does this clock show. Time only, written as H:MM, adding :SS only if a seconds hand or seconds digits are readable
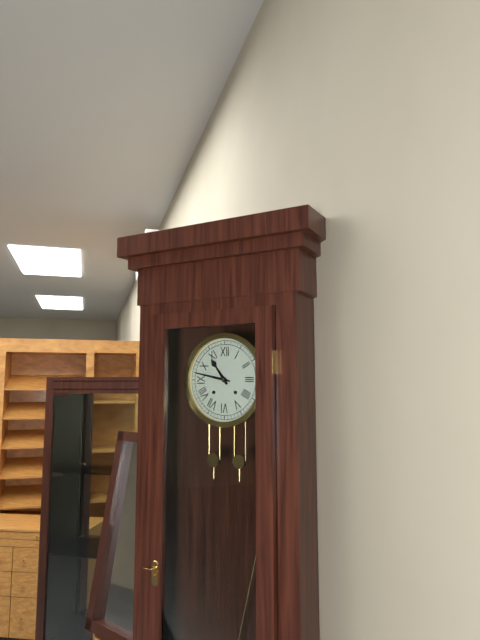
10:47
